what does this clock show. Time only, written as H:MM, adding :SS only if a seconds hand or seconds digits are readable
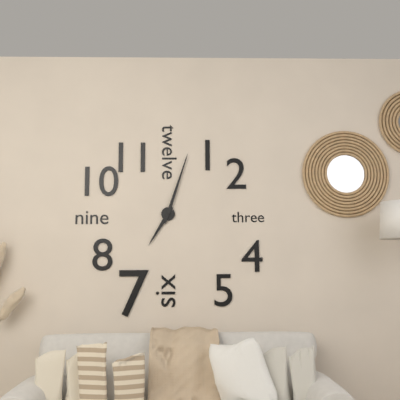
7:03
